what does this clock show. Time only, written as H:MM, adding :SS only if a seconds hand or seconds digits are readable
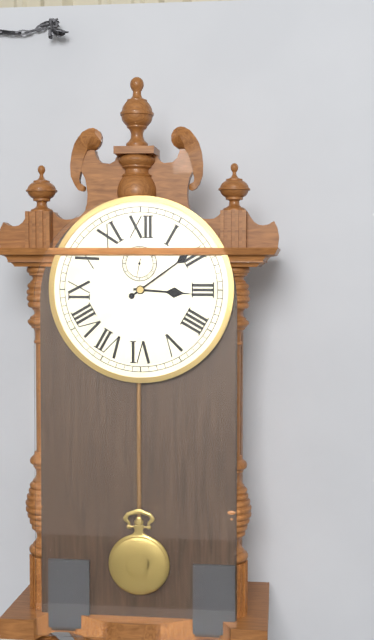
3:09
